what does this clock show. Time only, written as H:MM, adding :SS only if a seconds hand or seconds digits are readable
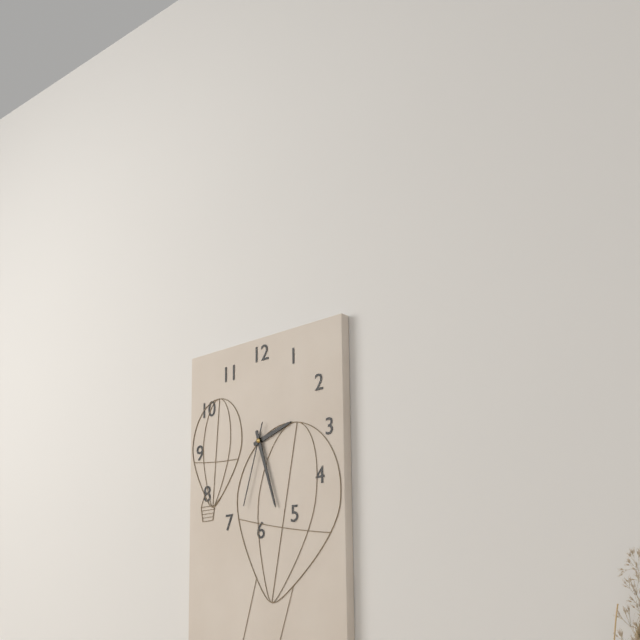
2:27:33
